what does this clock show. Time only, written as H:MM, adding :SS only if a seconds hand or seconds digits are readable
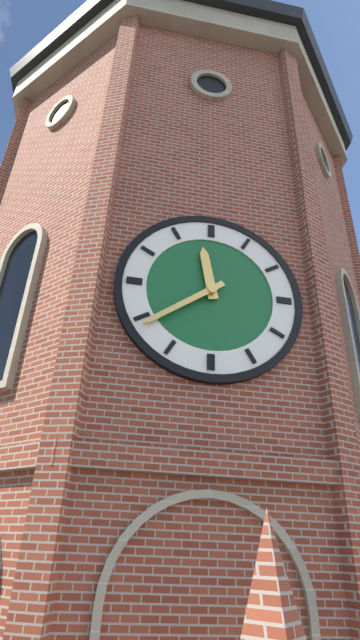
11:39
